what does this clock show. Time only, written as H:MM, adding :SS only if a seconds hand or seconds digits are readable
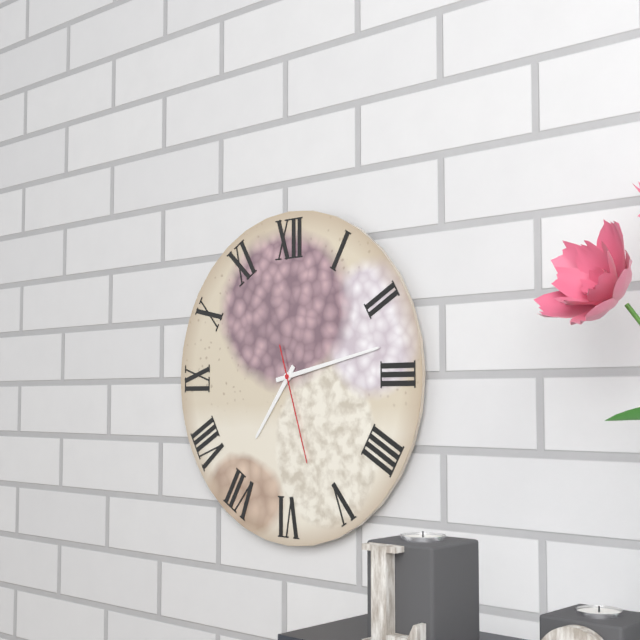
7:13:27
